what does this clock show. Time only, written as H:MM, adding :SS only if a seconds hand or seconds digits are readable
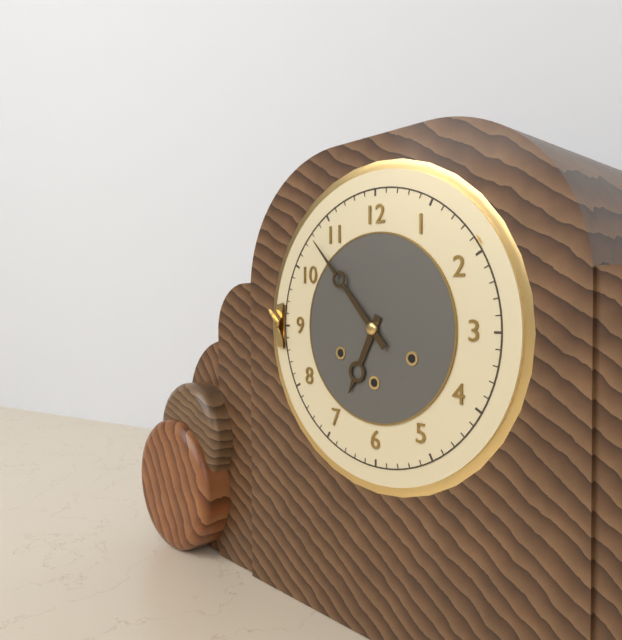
6:53
